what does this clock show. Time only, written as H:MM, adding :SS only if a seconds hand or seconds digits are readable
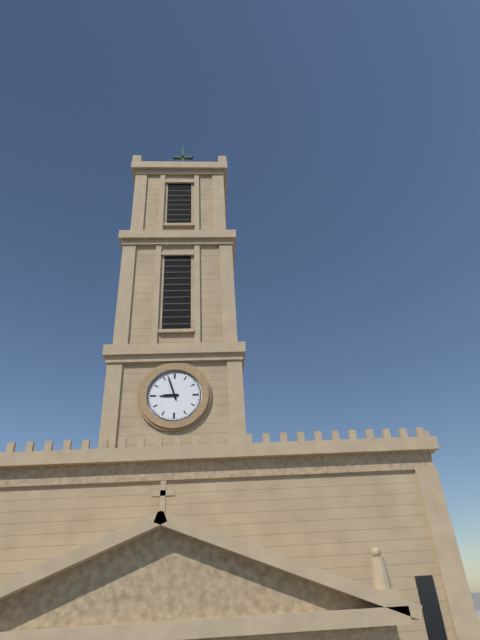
8:57
